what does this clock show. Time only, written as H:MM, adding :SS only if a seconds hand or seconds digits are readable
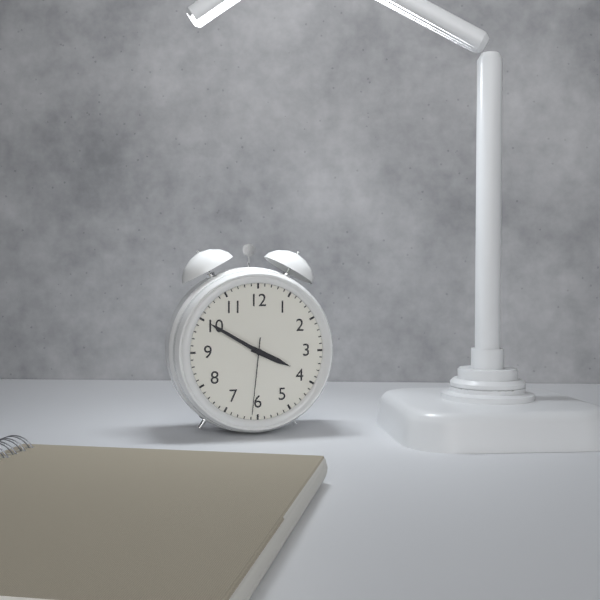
3:50:31
